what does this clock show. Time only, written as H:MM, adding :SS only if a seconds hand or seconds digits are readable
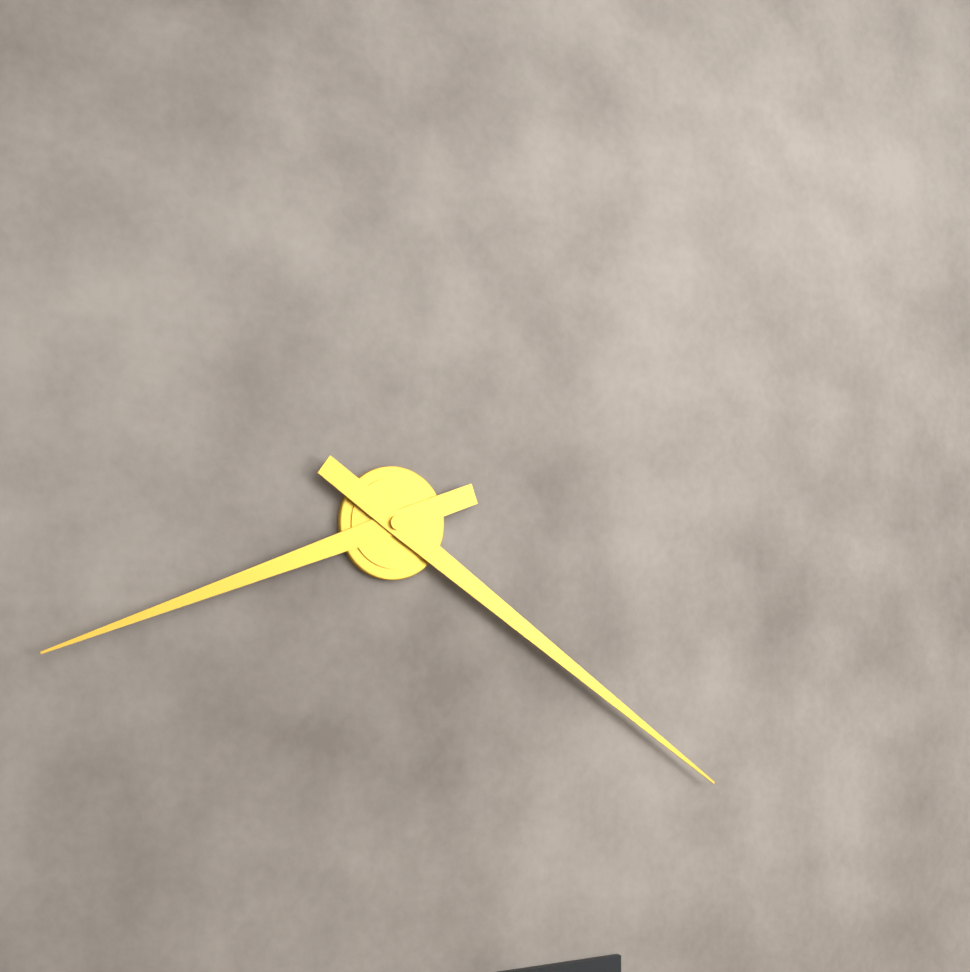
8:21
